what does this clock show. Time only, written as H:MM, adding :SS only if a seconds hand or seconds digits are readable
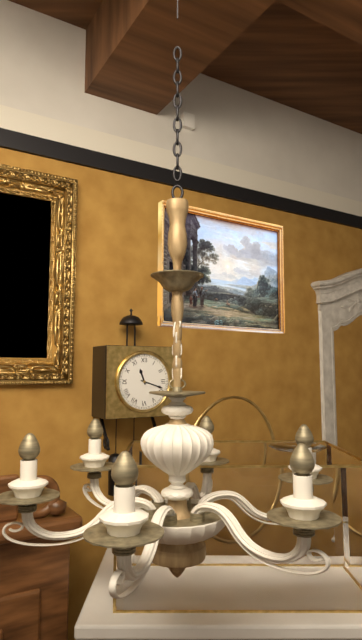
11:18
